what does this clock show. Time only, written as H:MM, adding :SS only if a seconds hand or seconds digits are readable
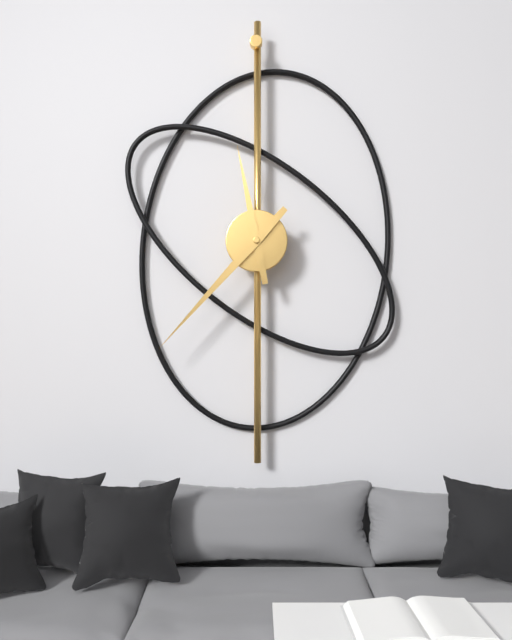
11:37
